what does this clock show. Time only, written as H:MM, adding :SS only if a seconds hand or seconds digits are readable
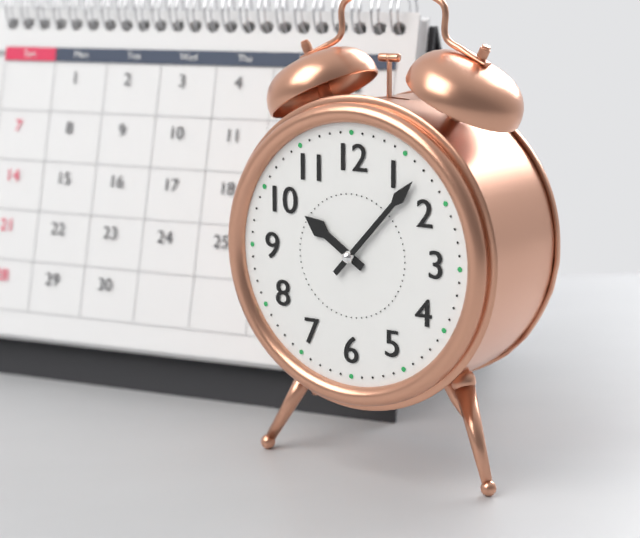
10:07
